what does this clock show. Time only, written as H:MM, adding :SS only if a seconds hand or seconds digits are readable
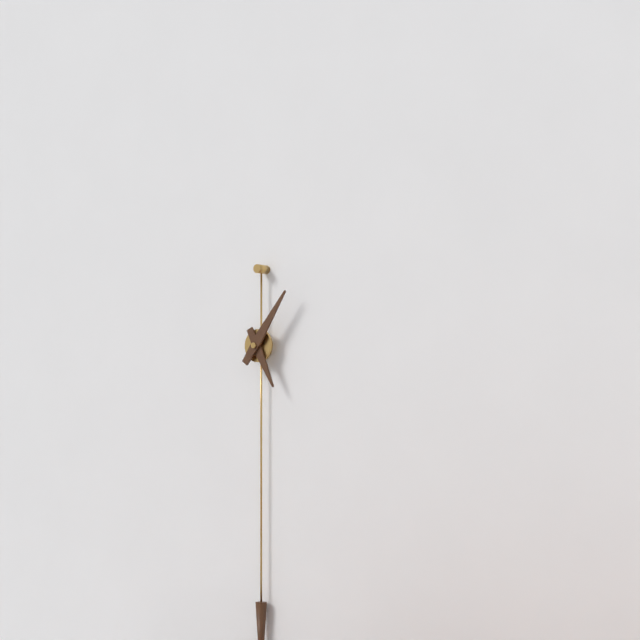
5:06
